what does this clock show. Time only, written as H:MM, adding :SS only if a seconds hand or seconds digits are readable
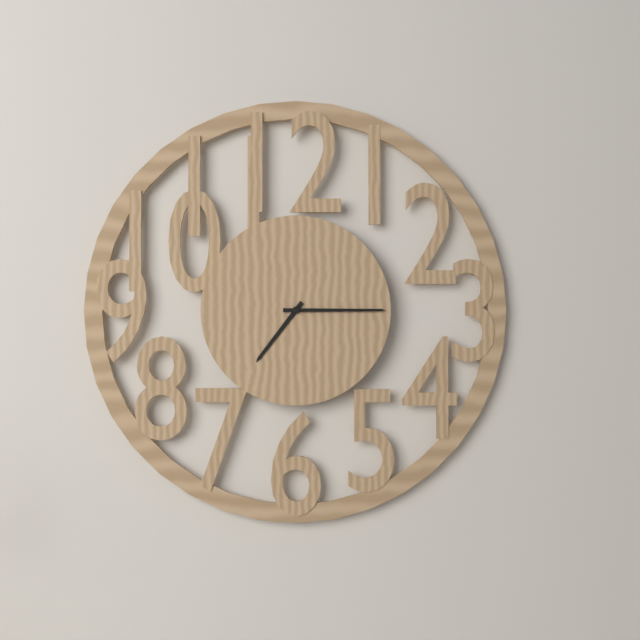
7:15
